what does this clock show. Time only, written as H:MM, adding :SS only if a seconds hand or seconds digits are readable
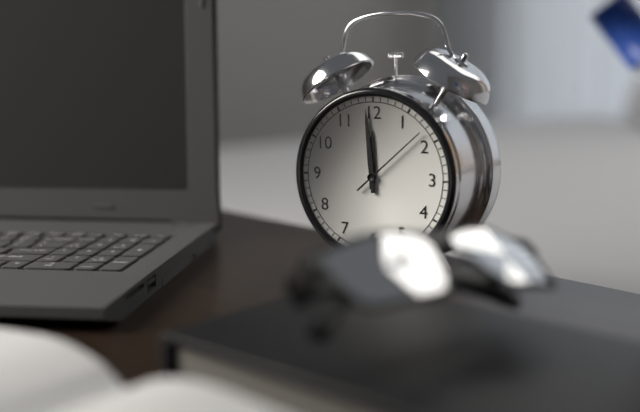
11:59:08
